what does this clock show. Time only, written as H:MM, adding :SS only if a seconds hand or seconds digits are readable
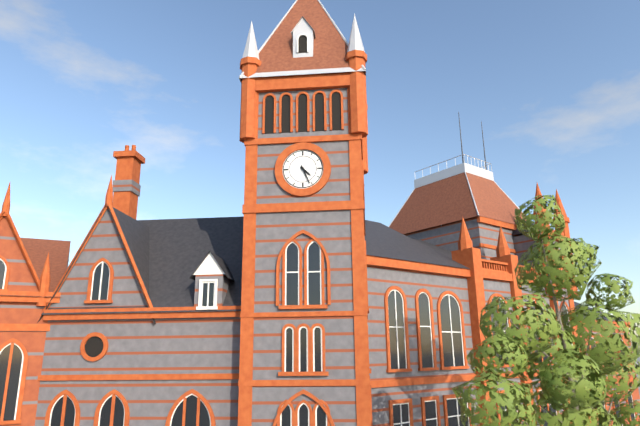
4:26
